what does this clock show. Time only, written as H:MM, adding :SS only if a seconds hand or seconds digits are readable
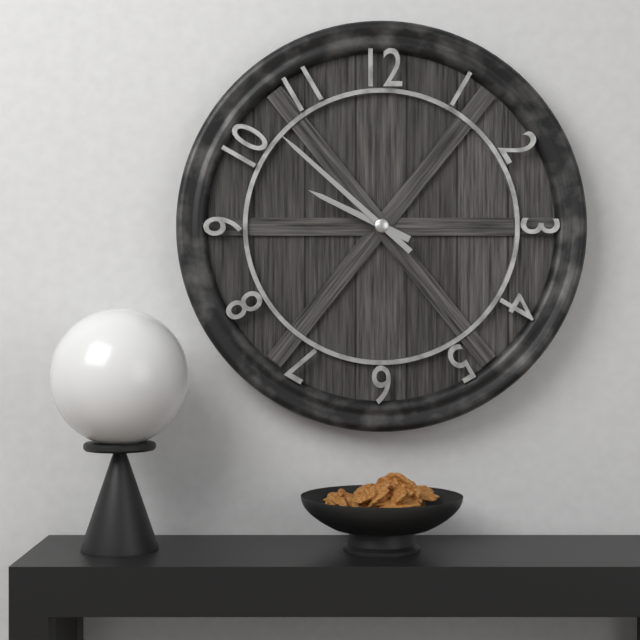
9:52
